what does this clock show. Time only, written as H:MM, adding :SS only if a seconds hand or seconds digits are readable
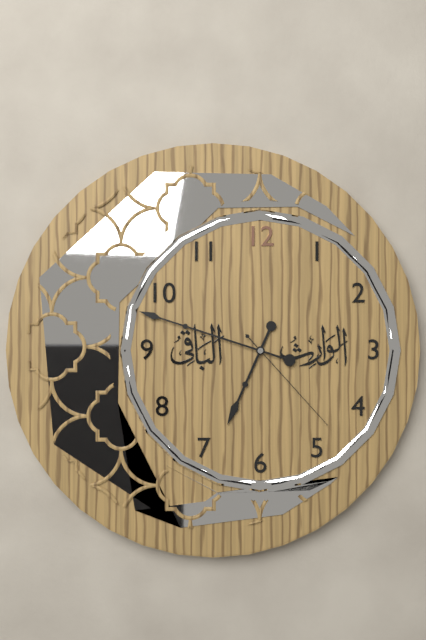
6:48:23
